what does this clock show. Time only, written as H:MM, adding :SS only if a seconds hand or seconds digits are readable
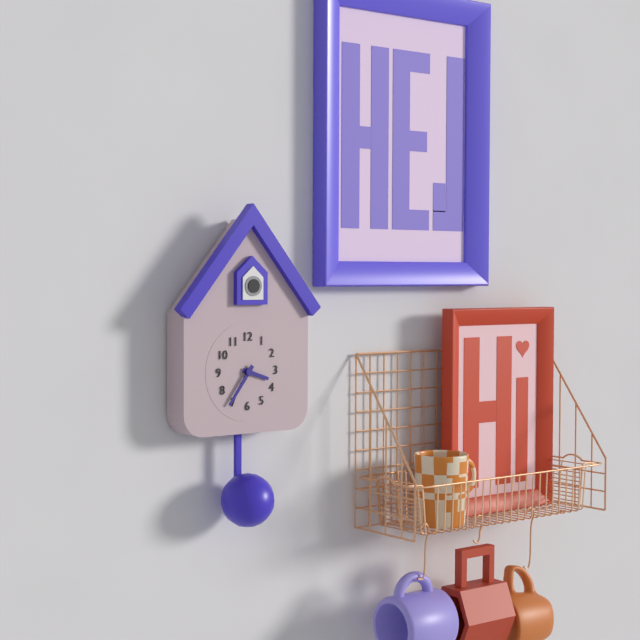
3:36
